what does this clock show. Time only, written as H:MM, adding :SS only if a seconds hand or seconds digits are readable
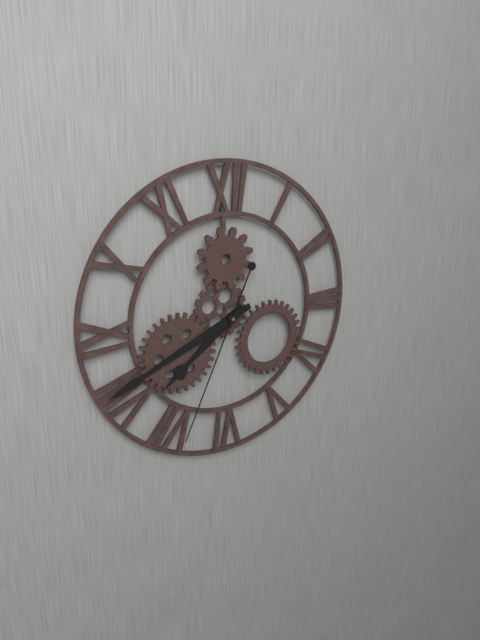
7:41:34
